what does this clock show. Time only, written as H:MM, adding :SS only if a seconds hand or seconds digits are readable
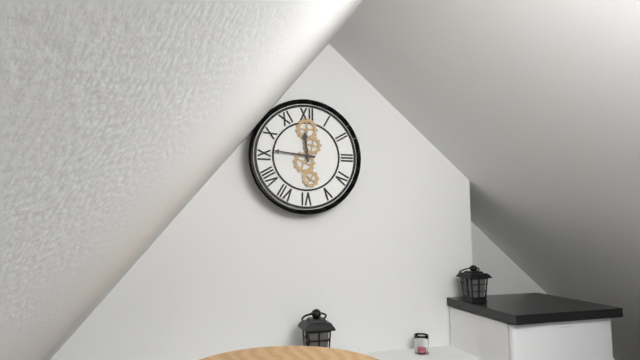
11:46
